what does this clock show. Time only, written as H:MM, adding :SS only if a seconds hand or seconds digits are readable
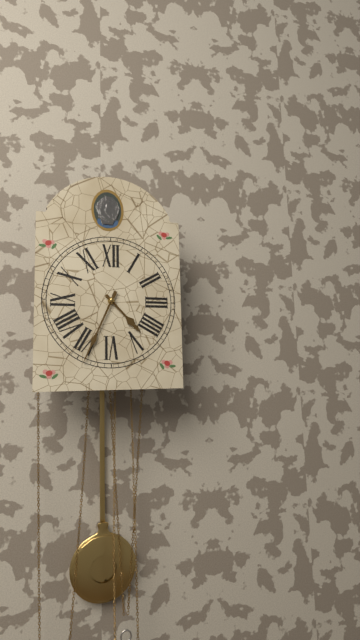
4:34
